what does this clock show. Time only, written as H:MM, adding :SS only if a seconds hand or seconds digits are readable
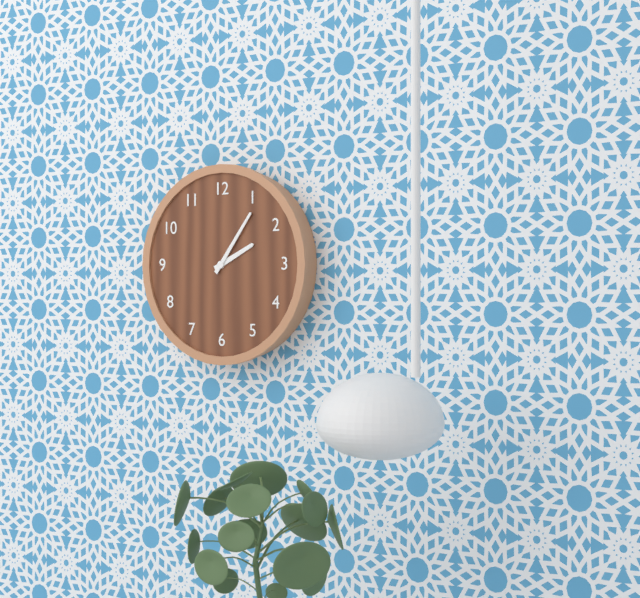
2:06
